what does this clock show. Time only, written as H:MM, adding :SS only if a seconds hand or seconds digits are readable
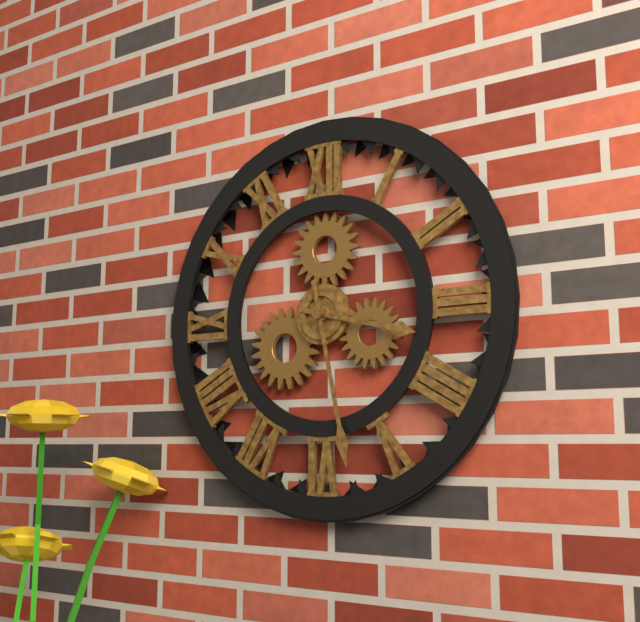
3:28
